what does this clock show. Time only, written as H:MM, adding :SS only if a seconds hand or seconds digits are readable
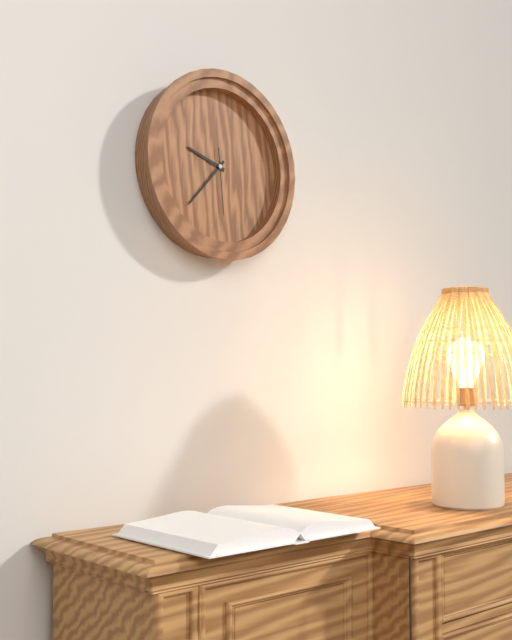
9:37:29
